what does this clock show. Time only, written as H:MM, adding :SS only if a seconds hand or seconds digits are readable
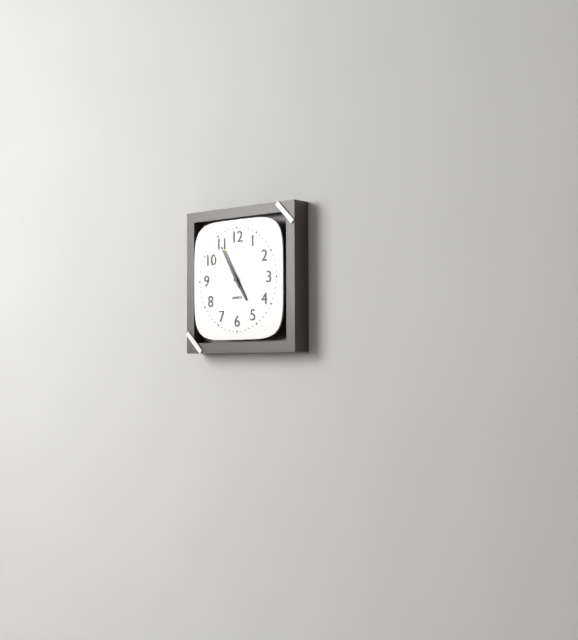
4:55
